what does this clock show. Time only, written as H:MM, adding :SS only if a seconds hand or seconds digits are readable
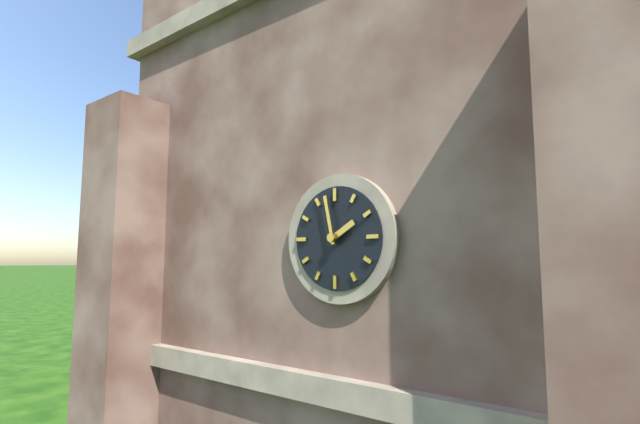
1:58
